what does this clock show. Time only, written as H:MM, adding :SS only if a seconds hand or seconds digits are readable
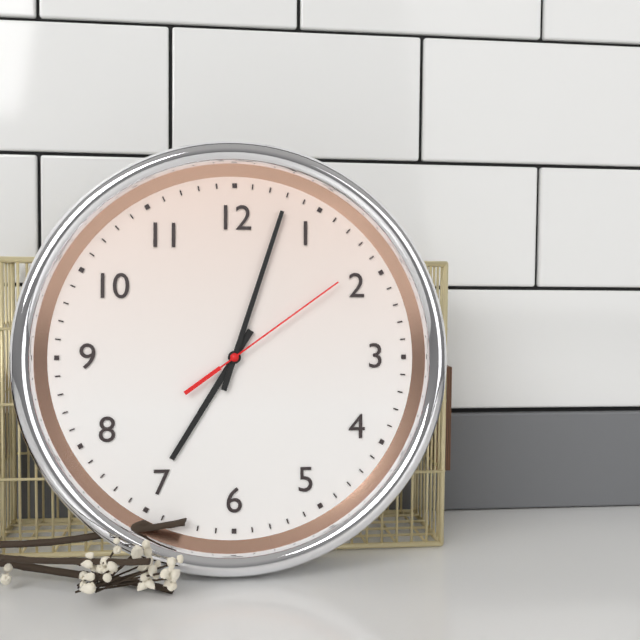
7:03:09
